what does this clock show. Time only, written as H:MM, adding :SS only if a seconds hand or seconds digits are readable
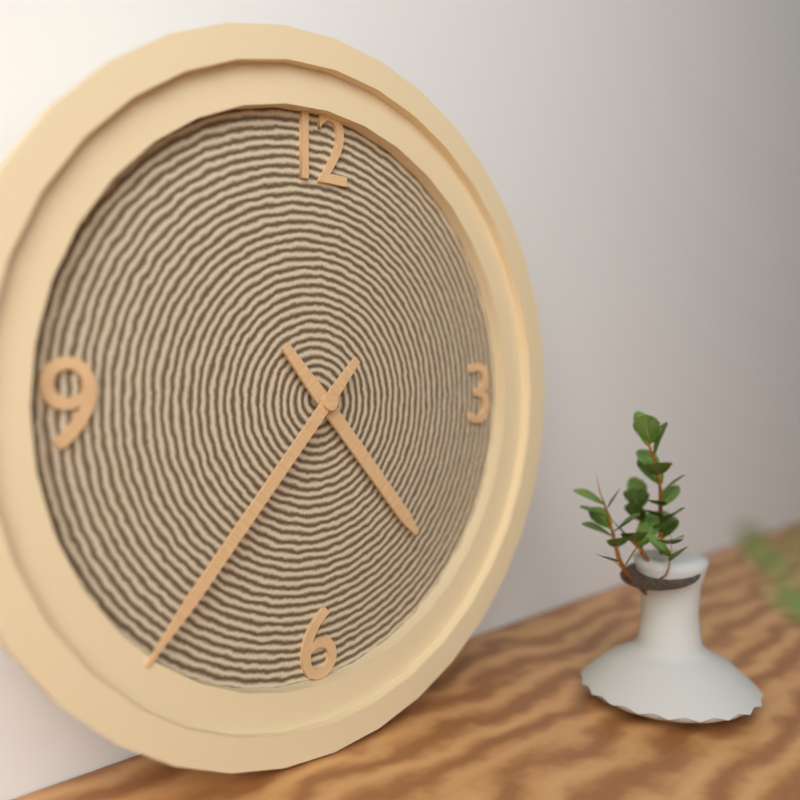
4:37
